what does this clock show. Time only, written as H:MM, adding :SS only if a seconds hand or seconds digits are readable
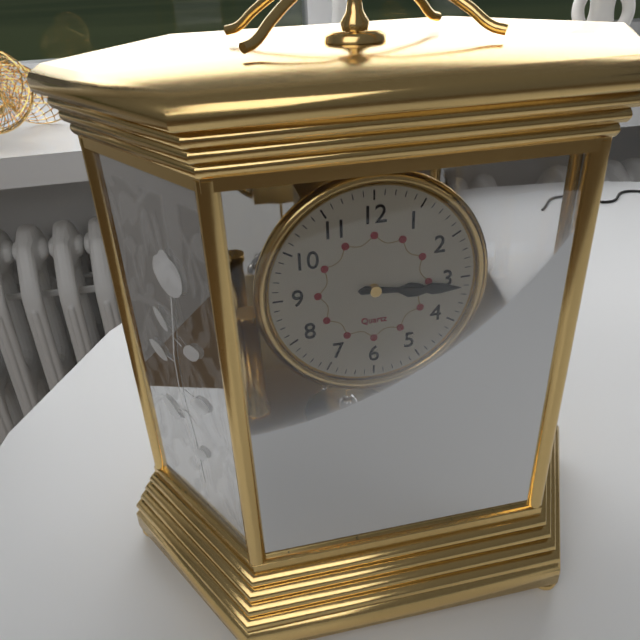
3:16
